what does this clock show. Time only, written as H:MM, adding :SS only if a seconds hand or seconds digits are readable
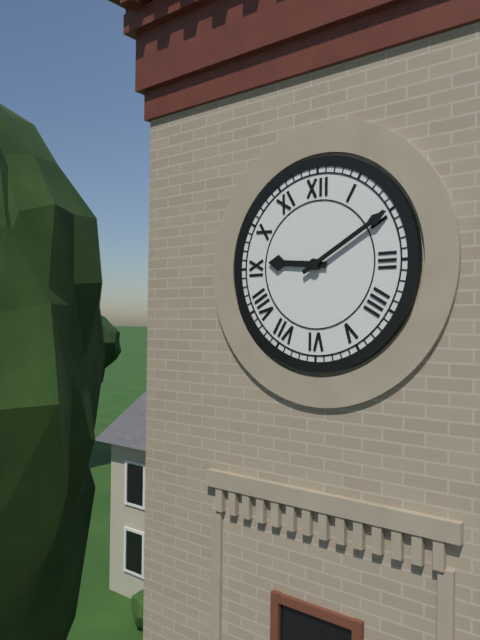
9:10
